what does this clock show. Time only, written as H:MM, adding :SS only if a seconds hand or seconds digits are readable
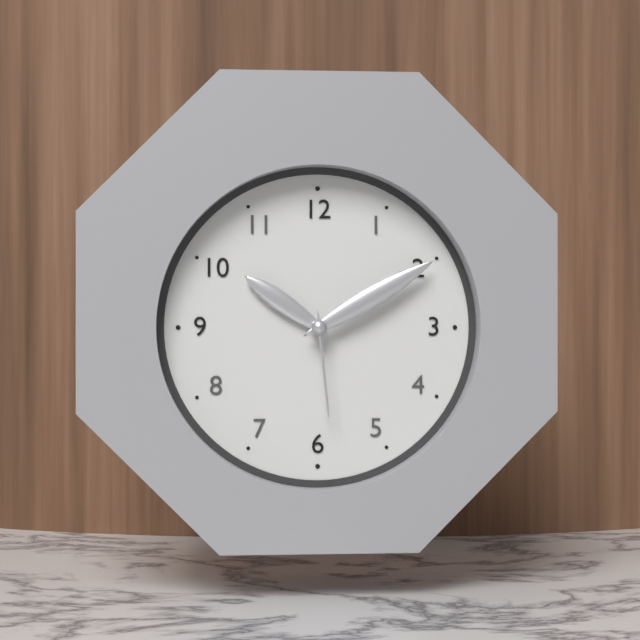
10:10:29
